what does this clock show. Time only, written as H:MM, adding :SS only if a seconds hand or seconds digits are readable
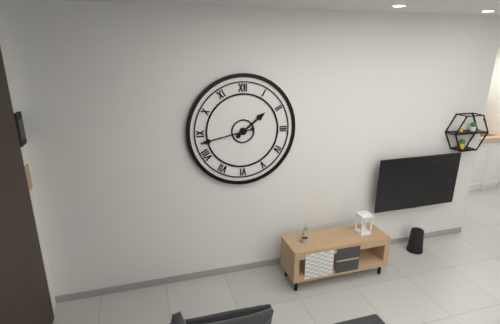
1:43
